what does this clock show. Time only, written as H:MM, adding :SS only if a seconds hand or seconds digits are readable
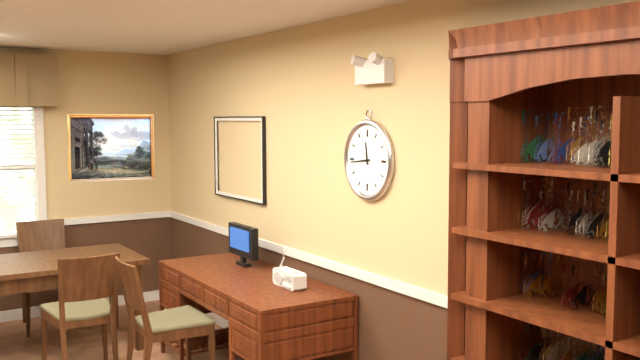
11:44
